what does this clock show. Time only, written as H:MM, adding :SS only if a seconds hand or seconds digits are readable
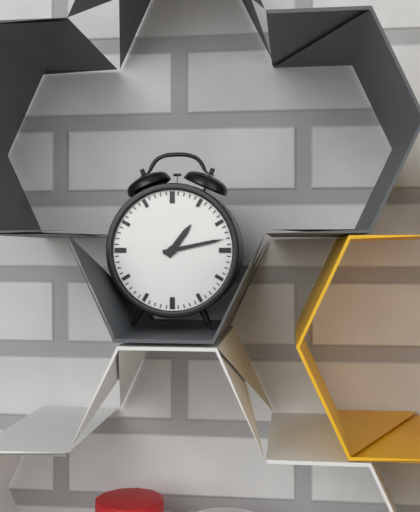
1:13
